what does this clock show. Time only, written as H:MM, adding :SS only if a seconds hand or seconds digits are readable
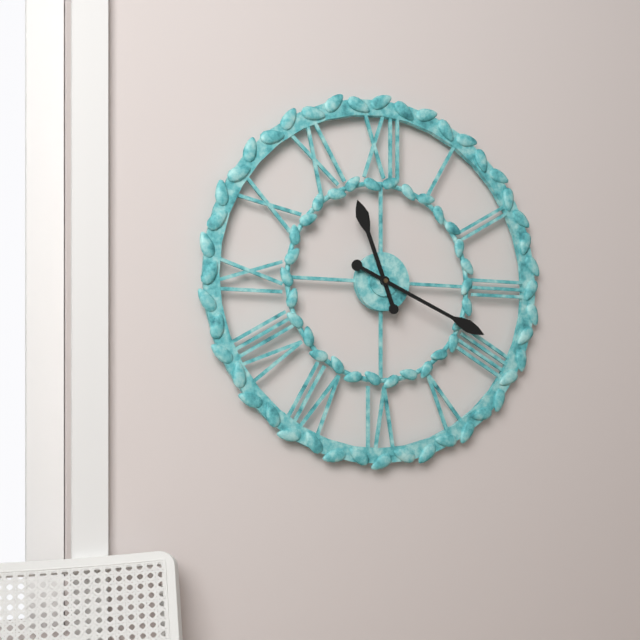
11:19
